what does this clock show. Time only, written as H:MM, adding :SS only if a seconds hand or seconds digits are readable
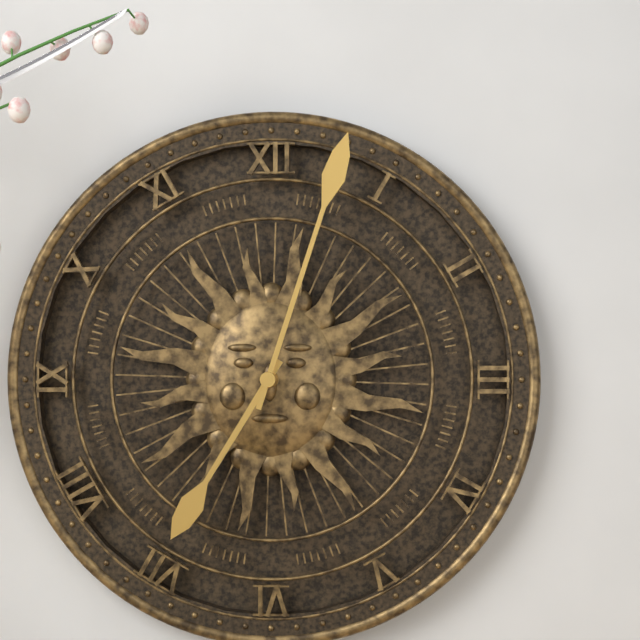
7:03
